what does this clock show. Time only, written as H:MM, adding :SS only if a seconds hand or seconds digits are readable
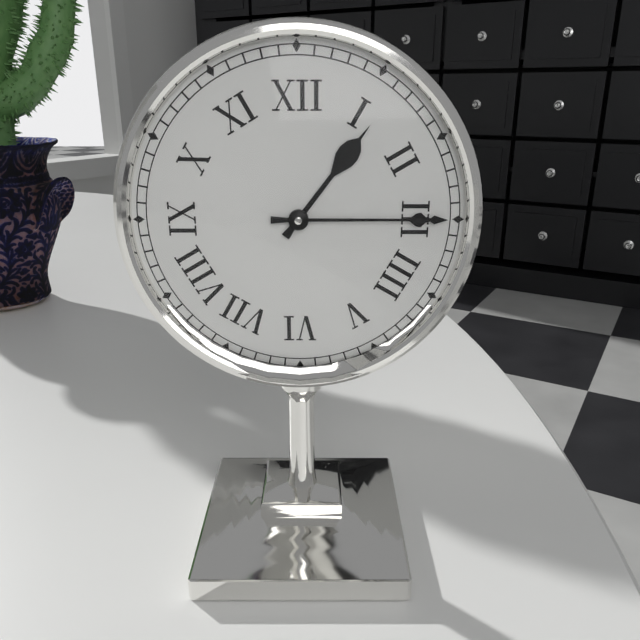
1:15
